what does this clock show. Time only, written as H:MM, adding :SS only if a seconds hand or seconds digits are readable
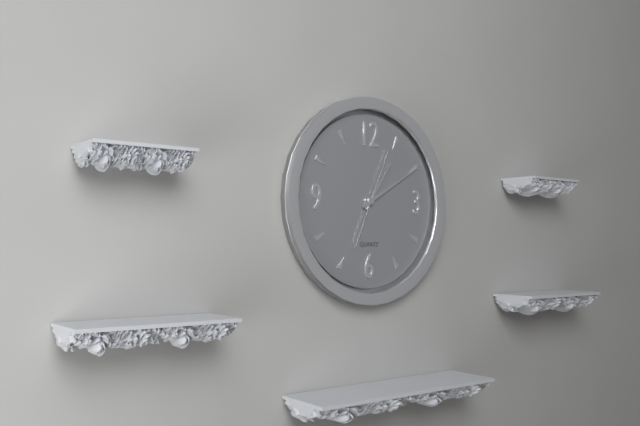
1:10:04
